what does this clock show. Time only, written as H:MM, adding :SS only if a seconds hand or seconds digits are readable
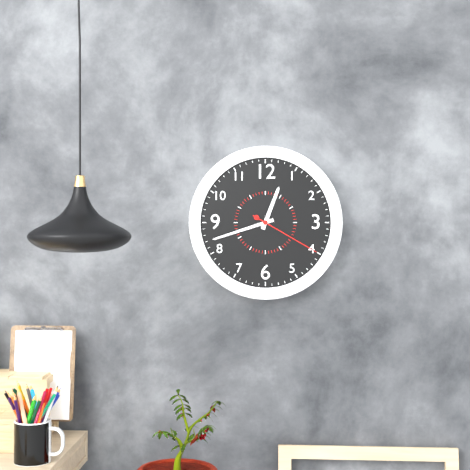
12:42:20
